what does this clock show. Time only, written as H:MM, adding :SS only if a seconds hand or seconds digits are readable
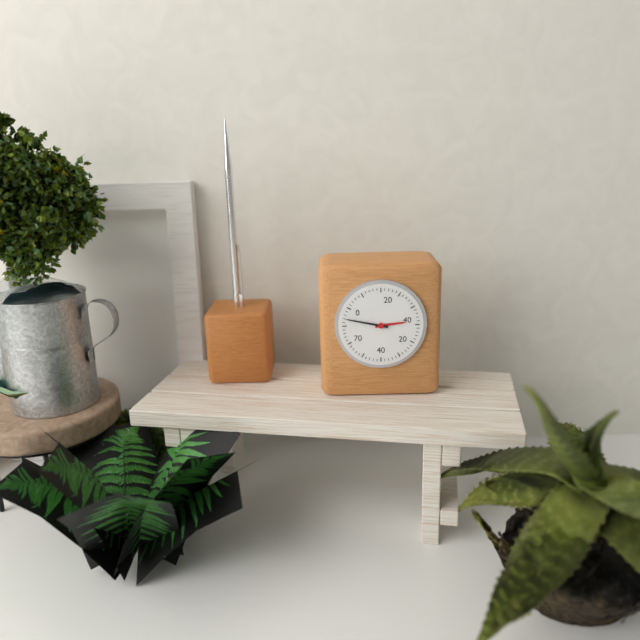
2:47
